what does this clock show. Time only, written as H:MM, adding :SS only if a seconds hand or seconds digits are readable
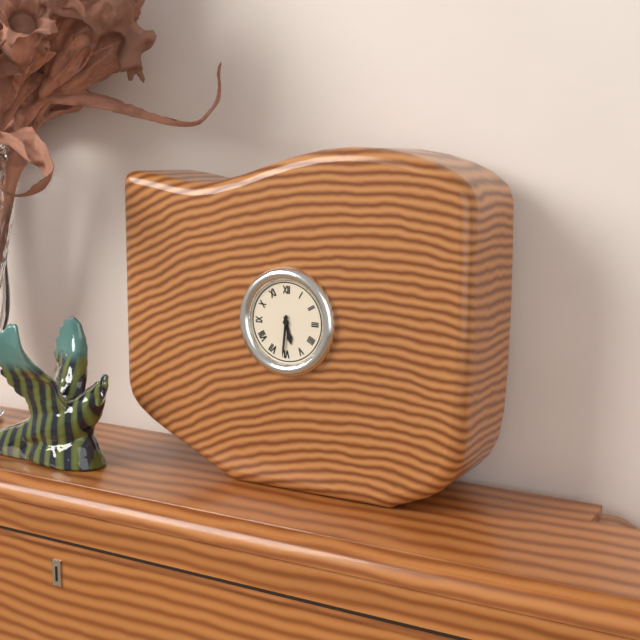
5:31
